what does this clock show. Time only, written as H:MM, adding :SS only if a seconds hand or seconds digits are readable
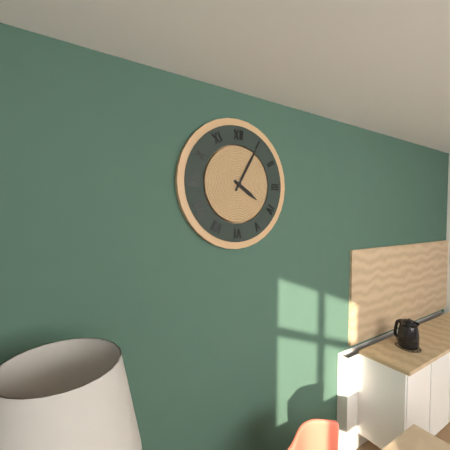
4:05
